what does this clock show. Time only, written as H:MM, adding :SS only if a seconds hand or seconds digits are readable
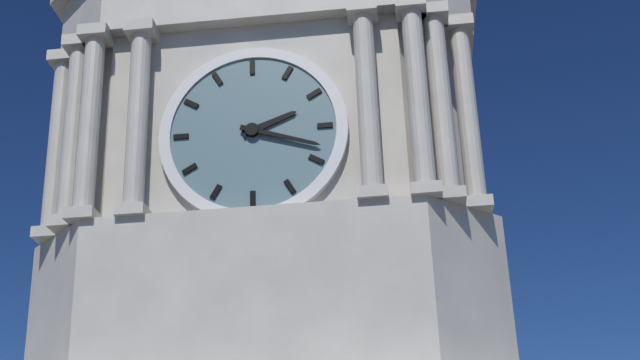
2:18
